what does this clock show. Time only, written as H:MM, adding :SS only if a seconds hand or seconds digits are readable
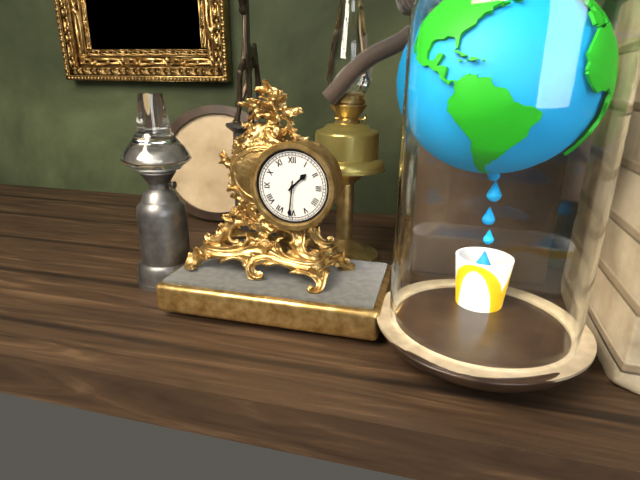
1:31
